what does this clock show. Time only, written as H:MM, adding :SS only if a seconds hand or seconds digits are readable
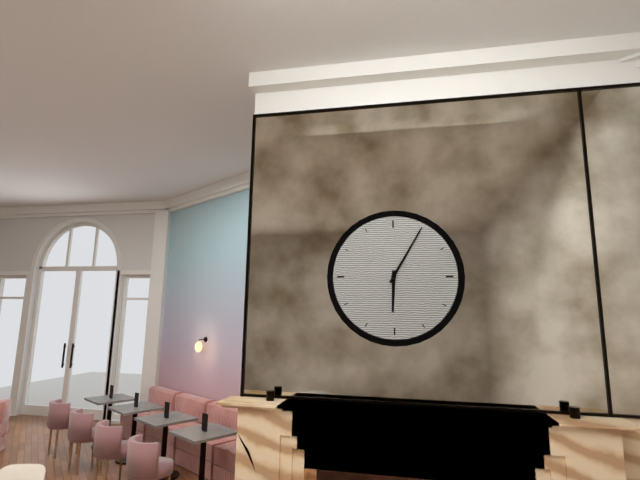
6:05
